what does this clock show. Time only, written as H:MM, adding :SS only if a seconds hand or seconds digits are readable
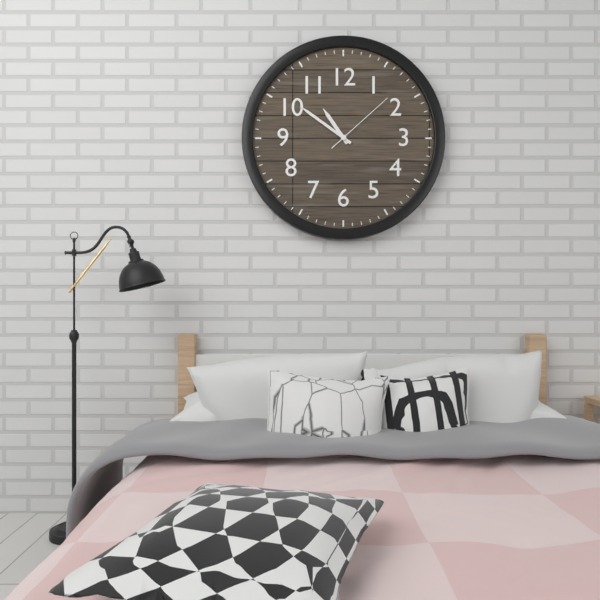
10:51:08
